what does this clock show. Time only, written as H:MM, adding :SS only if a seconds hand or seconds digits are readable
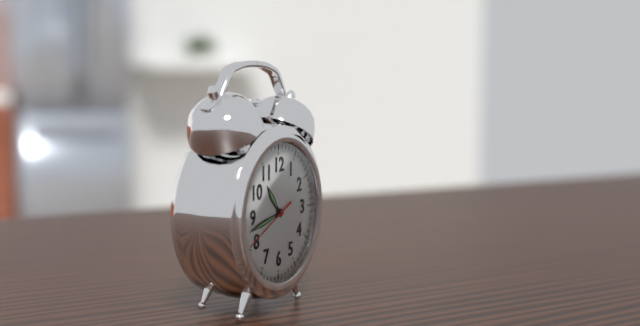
10:43:41
